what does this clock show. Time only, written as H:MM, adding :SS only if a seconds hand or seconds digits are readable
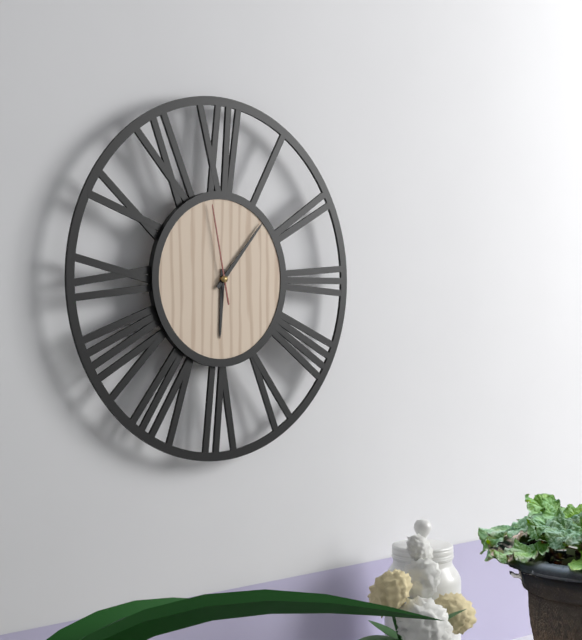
6:07:58
